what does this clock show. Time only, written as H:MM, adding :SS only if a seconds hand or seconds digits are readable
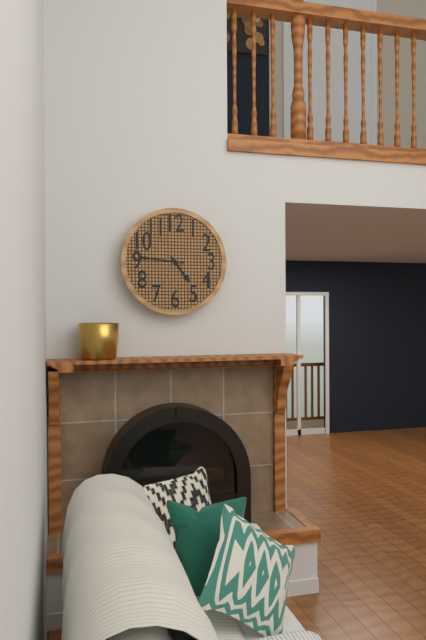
4:46
